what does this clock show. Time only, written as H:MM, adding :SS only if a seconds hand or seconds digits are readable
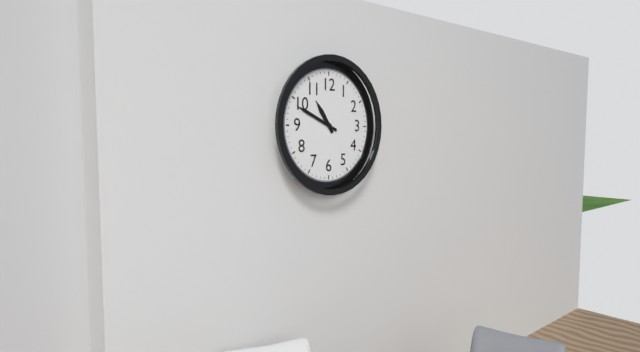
10:49
